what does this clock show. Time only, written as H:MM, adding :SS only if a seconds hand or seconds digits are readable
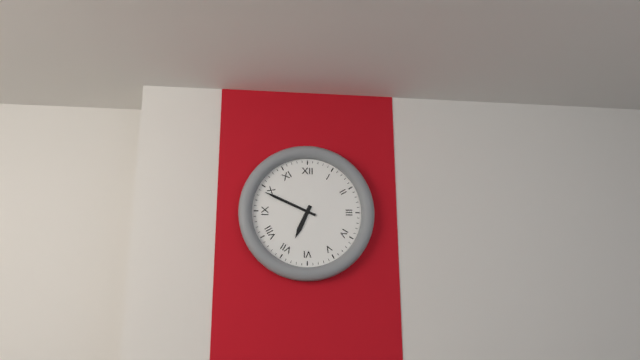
6:49
